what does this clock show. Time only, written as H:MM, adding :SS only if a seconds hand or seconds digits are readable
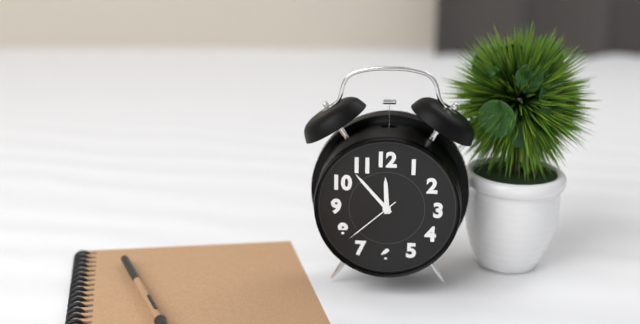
11:53:38
